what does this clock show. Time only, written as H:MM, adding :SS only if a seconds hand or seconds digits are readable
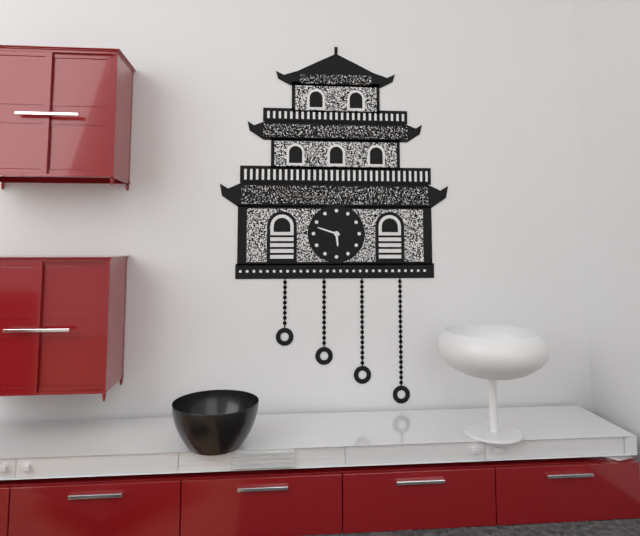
5:48
